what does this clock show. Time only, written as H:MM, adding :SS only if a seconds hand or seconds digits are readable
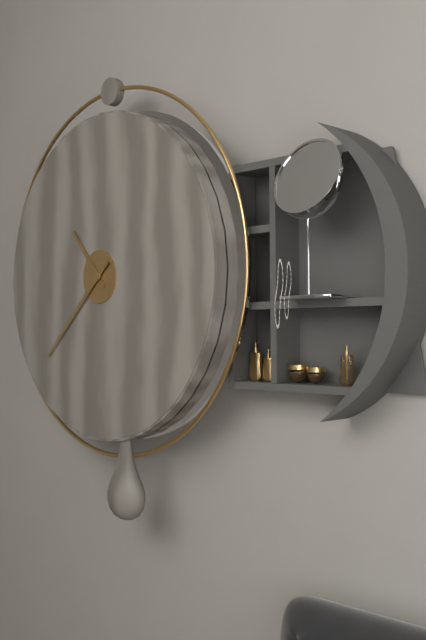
10:38
